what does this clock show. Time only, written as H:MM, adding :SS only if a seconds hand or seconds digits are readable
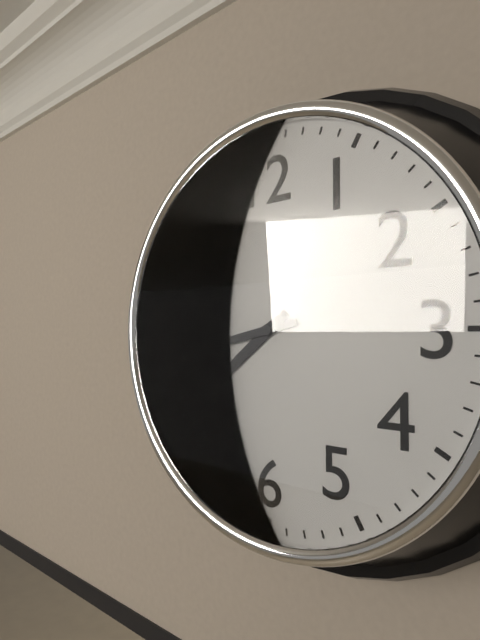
7:43
